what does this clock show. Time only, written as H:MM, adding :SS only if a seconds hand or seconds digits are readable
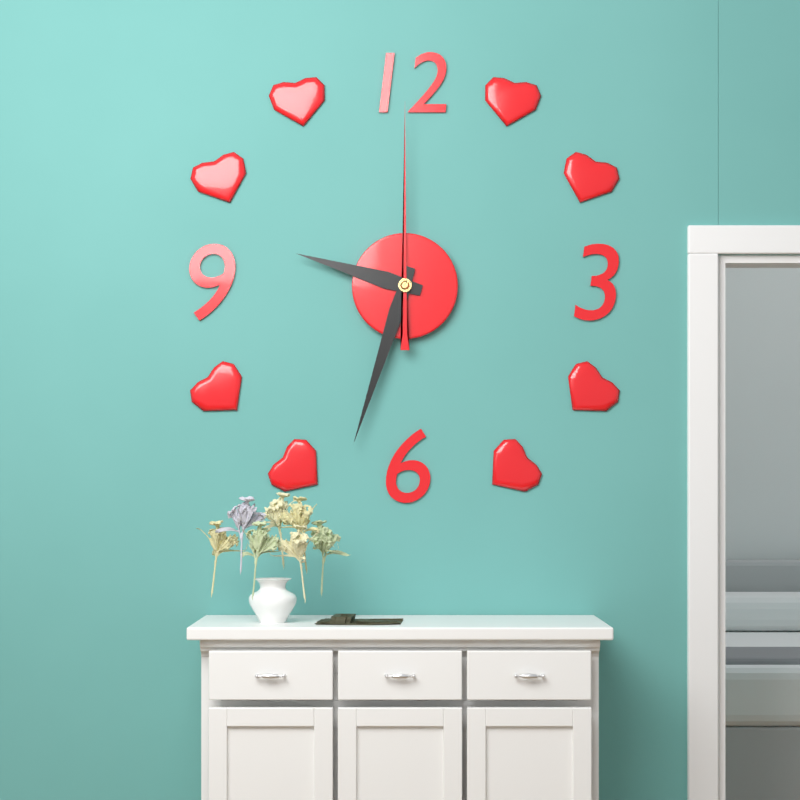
9:33:00
